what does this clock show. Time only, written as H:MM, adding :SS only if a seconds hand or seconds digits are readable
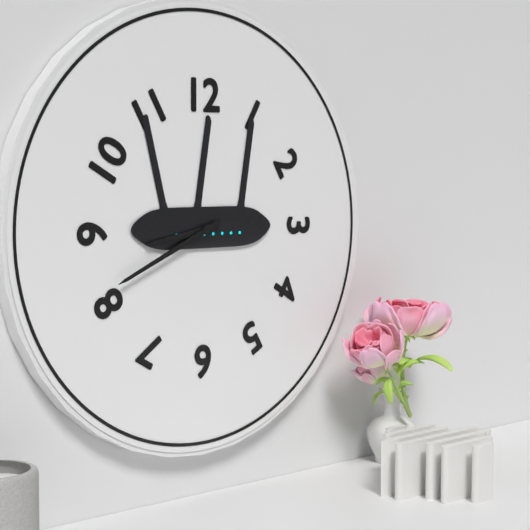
8:41
